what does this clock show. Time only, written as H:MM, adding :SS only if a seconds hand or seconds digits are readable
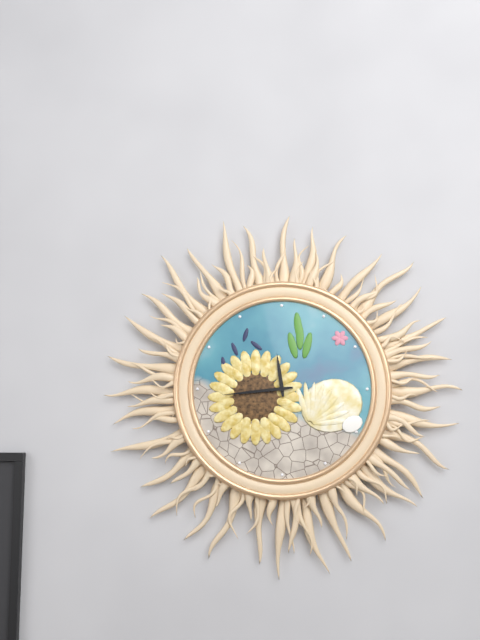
11:44
